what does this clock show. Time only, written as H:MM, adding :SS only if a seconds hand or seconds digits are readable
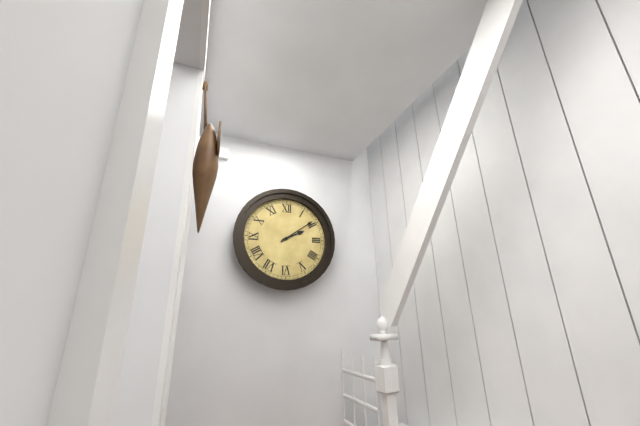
2:09
